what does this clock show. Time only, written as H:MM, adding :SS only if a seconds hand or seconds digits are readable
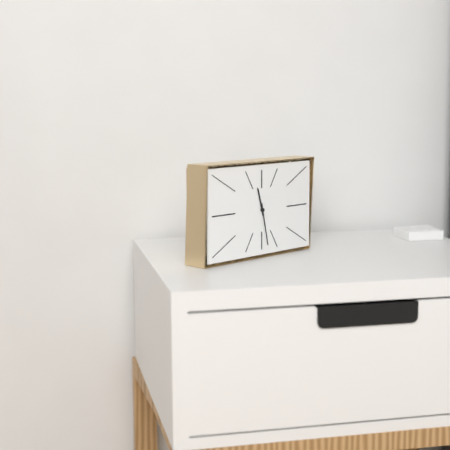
11:28
